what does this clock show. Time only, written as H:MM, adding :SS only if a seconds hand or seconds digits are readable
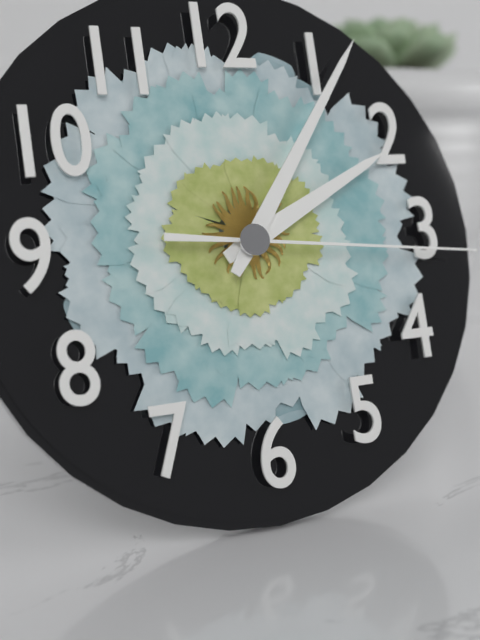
2:06:16
